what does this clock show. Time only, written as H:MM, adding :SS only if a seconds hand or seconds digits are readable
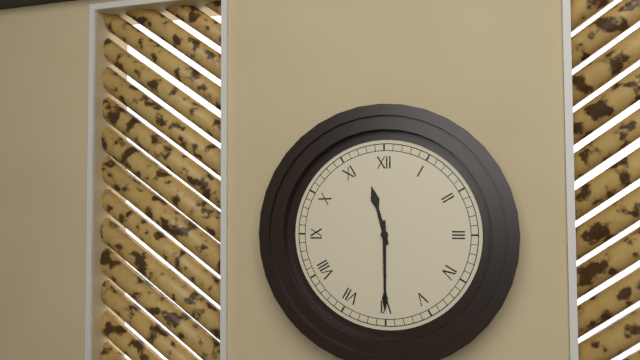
11:30
